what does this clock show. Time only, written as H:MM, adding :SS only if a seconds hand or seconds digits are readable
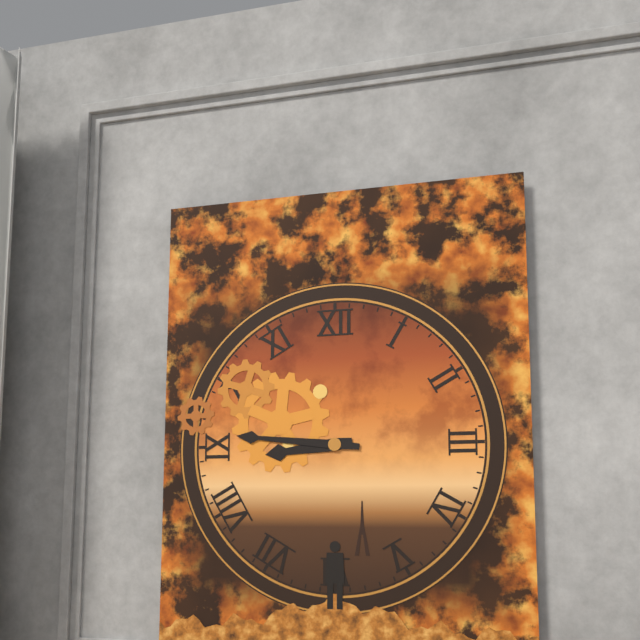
8:46
